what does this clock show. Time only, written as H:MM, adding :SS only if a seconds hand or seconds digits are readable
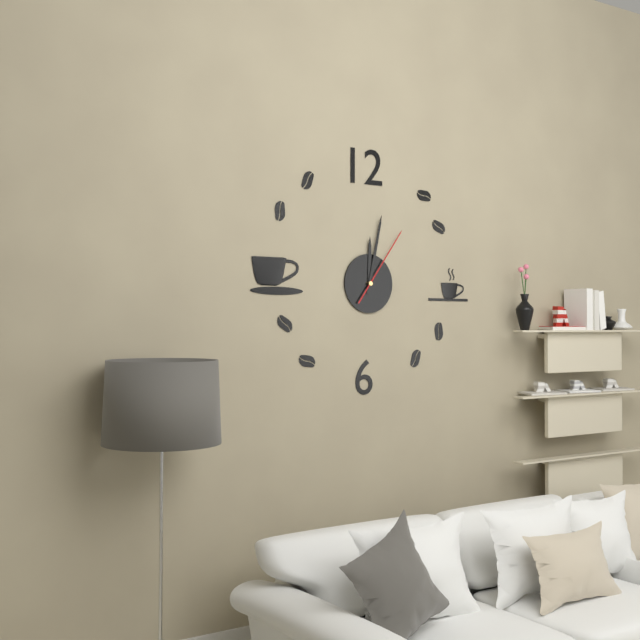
12:02:06
